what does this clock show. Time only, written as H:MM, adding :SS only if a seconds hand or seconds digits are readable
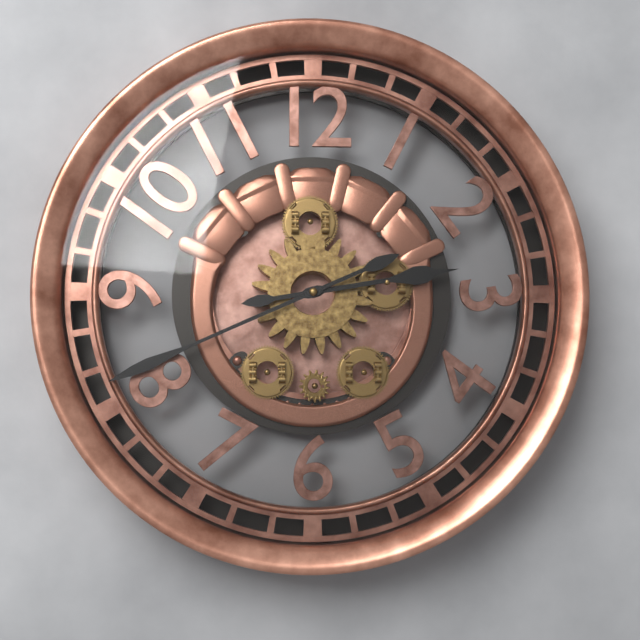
2:41
